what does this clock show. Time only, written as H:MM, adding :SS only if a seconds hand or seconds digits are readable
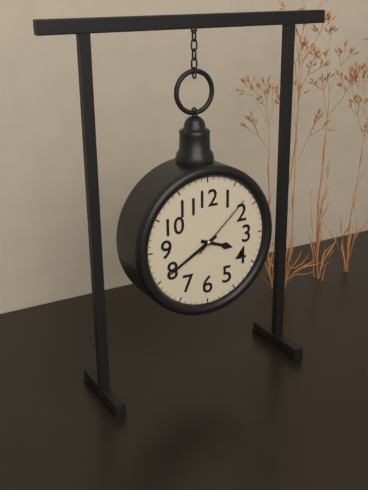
3:40:08
